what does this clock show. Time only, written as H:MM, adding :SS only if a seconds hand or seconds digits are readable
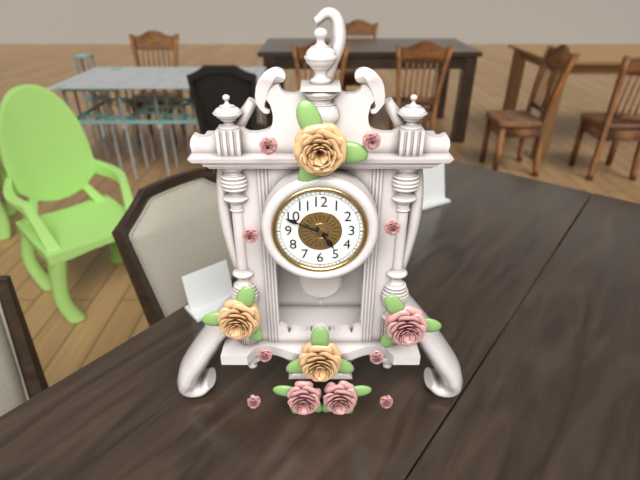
4:49
